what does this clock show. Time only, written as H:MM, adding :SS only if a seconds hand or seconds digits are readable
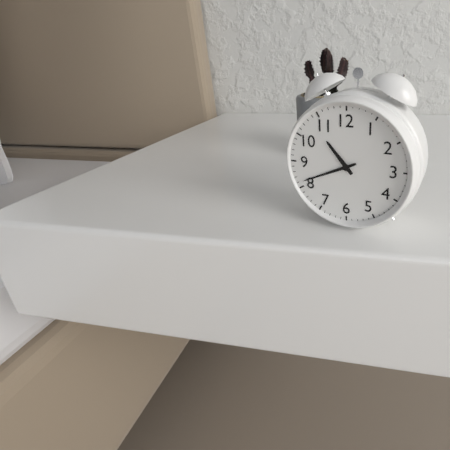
10:41
